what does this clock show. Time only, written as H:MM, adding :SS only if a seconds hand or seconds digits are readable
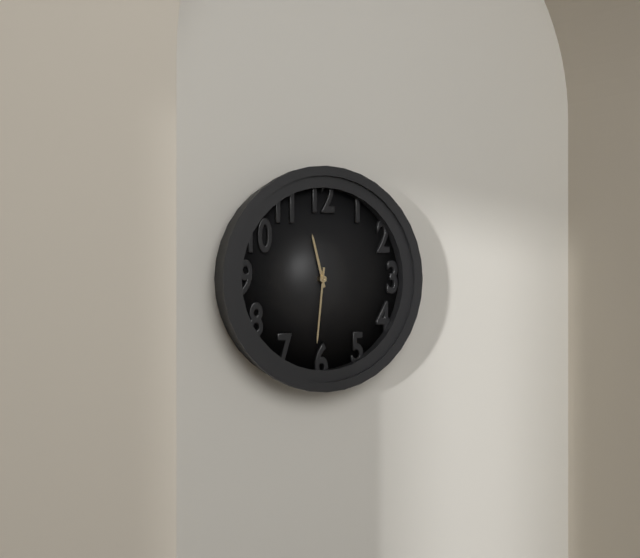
11:31
